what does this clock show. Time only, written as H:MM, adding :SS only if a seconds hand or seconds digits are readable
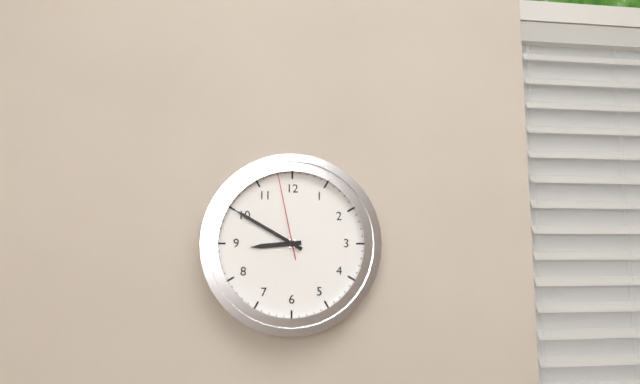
8:50:58
